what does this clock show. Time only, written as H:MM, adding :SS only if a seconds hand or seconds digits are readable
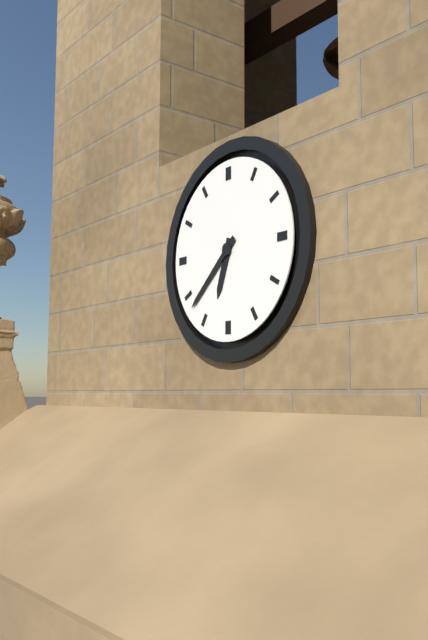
6:38
